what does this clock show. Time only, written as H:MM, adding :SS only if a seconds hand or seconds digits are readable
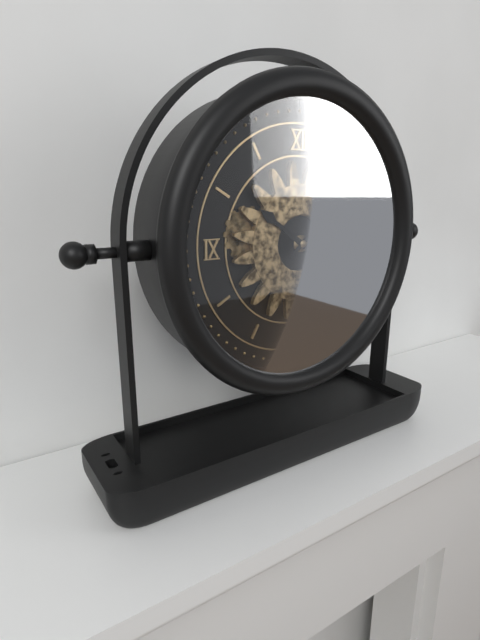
10:08
